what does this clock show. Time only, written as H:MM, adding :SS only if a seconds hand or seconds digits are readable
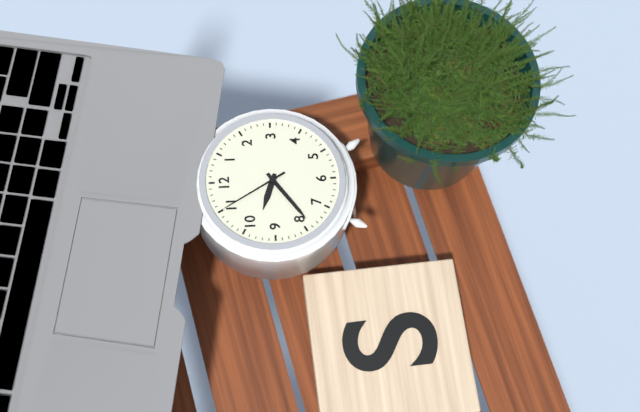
9:39:55
